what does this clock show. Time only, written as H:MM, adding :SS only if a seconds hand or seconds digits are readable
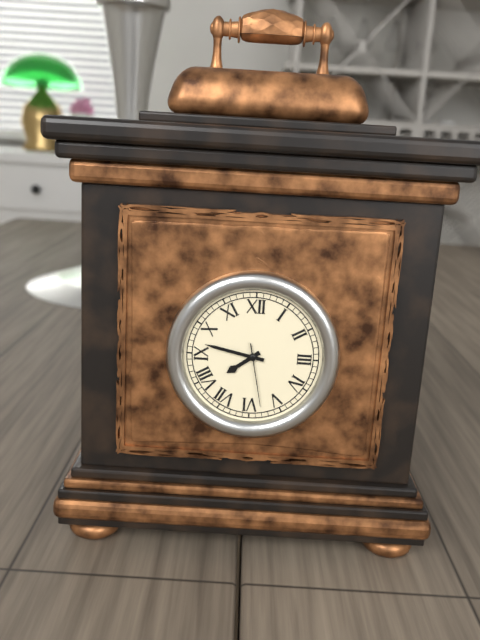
7:47:28
